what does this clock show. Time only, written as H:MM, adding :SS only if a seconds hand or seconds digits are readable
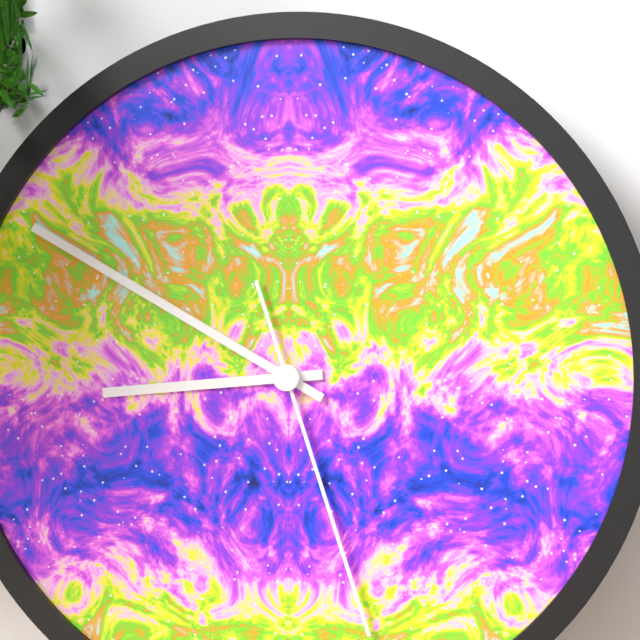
8:50:27
